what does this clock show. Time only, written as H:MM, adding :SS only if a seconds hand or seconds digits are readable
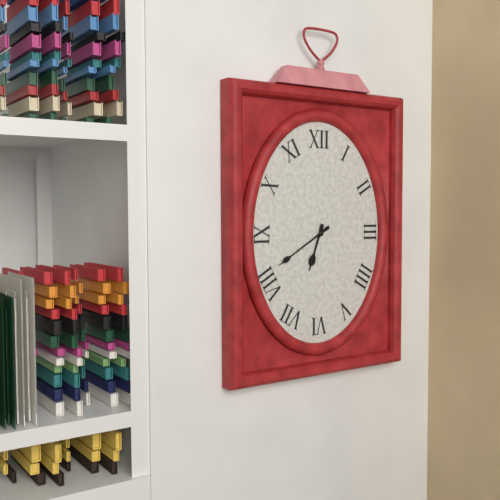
6:40
